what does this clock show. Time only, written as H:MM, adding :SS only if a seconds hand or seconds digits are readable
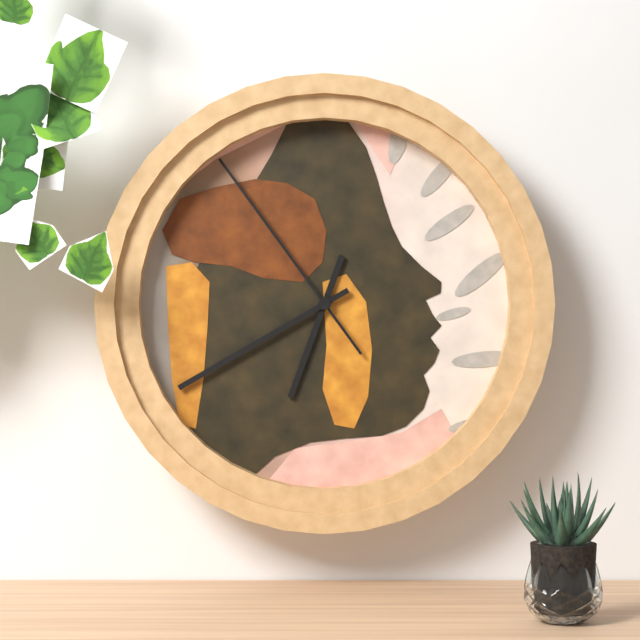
6:40:54
